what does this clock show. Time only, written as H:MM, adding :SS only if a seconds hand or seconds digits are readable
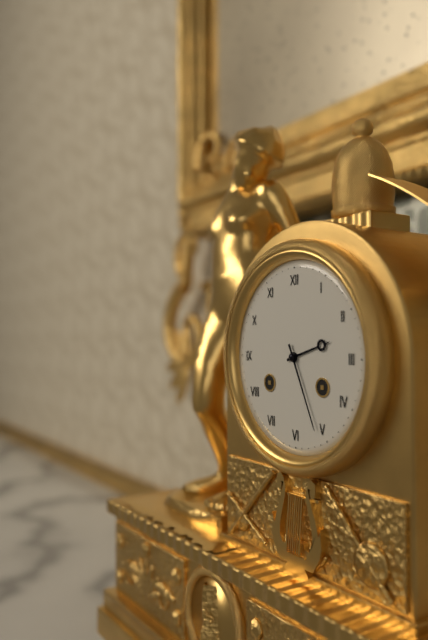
2:26
